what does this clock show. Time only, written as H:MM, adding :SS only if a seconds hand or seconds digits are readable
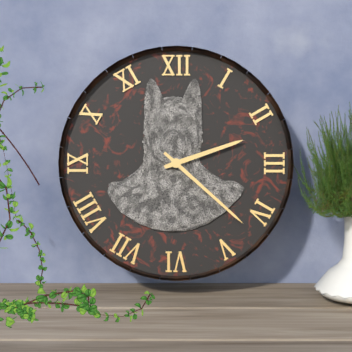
2:22
